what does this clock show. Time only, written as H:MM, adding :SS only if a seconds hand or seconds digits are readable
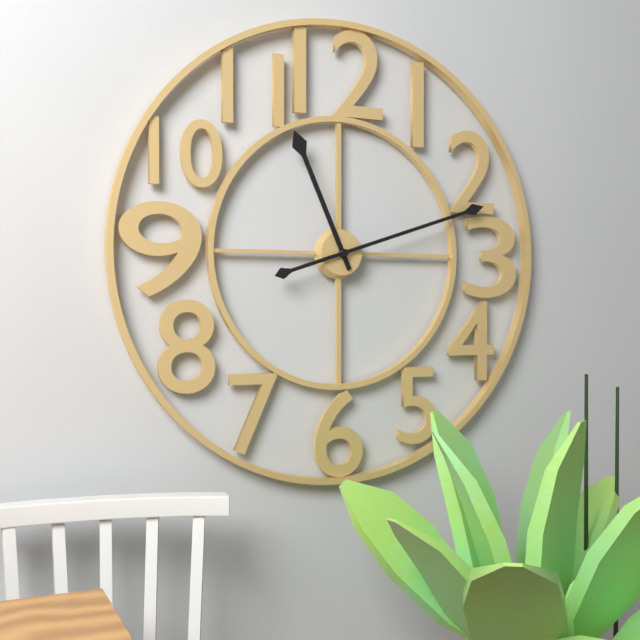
11:12
